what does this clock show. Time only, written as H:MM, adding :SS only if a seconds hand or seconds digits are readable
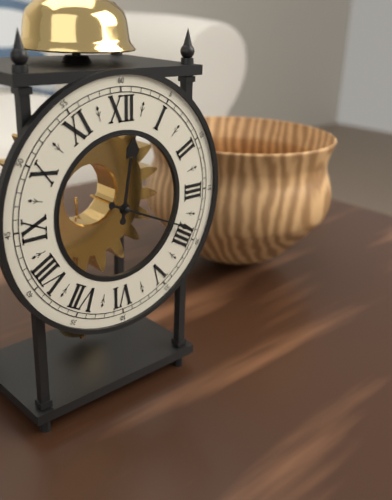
12:19
